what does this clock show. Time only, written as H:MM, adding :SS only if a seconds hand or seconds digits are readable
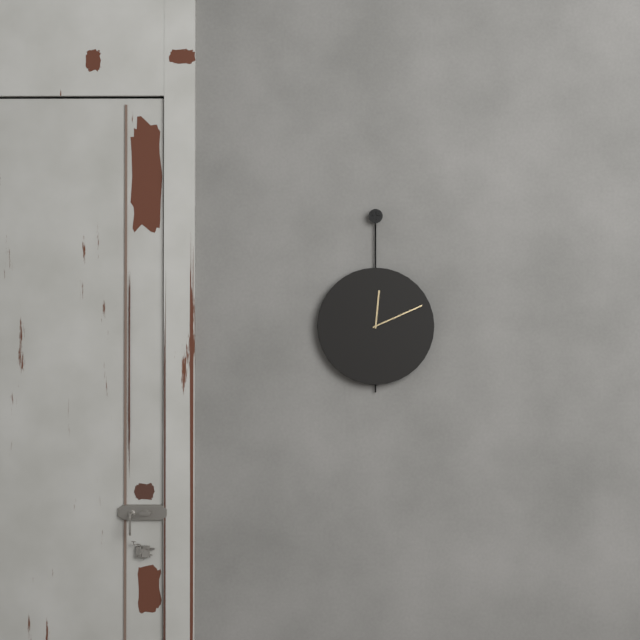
12:11
